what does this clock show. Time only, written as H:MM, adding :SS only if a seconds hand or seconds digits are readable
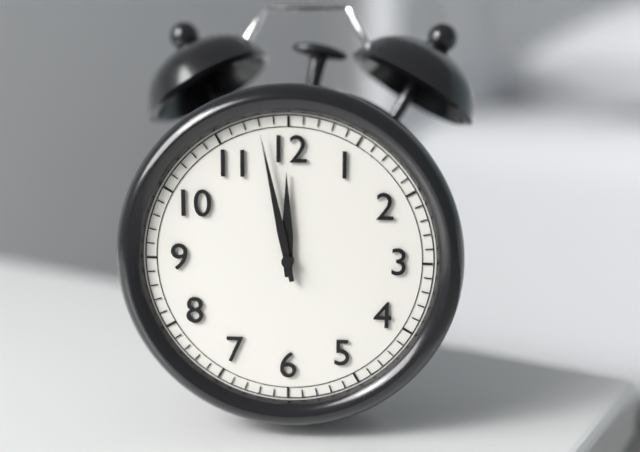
11:58
